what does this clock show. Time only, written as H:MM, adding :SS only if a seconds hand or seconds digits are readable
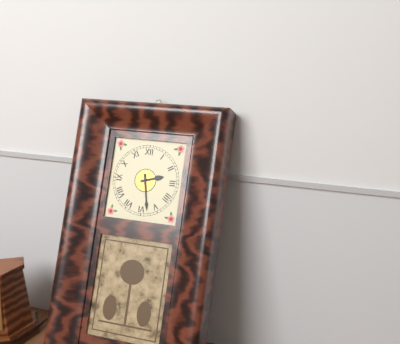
2:28
